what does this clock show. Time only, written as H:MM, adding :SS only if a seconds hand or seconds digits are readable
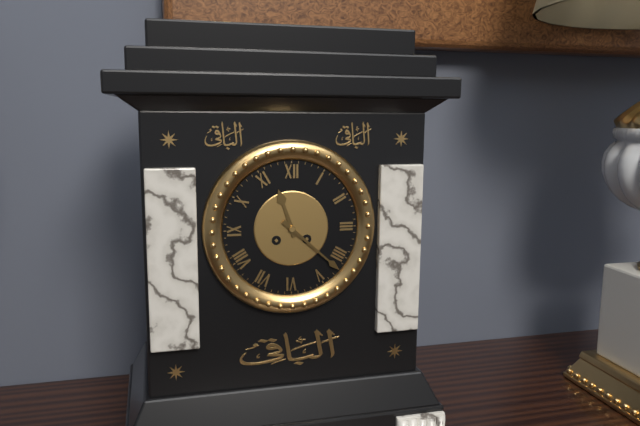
11:22
